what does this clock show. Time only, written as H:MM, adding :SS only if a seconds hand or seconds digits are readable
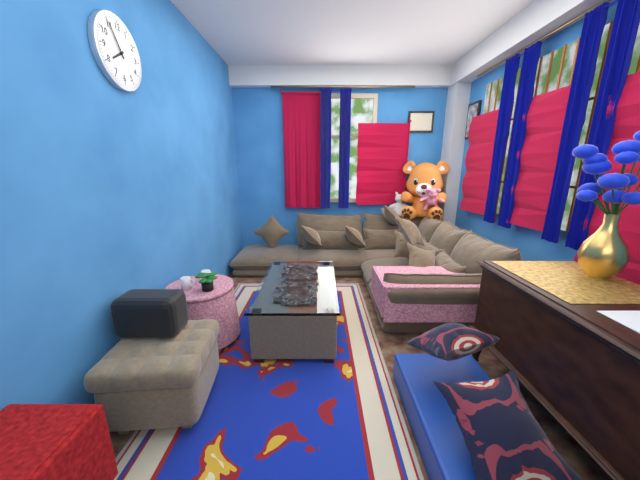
7:55
